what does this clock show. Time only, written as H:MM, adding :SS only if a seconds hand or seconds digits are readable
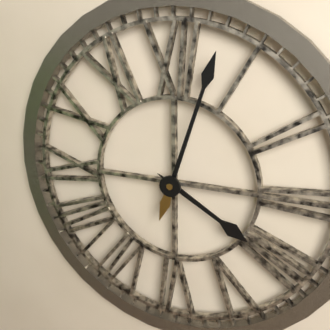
4:03
